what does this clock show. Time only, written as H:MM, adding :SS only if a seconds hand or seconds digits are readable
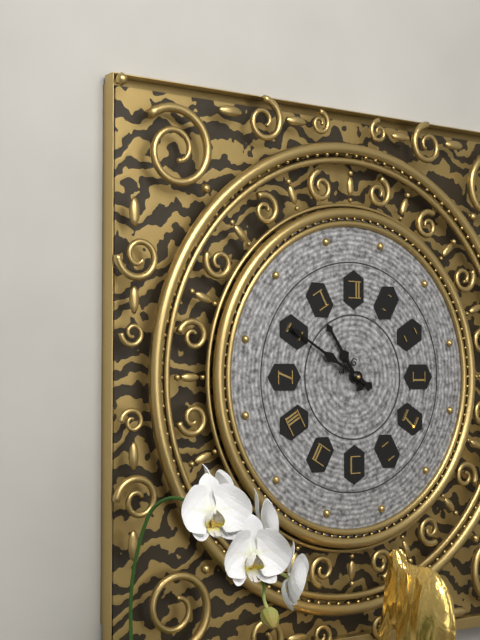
10:50
